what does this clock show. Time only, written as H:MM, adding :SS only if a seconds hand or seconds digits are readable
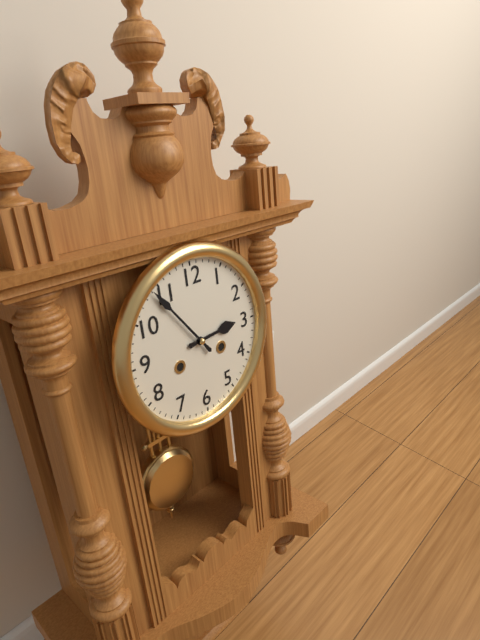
2:54
